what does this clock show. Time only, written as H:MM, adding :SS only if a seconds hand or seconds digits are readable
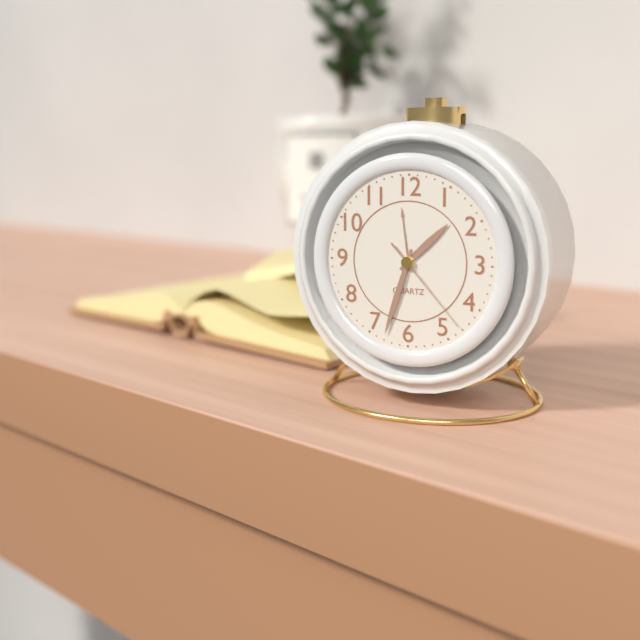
1:33:23
